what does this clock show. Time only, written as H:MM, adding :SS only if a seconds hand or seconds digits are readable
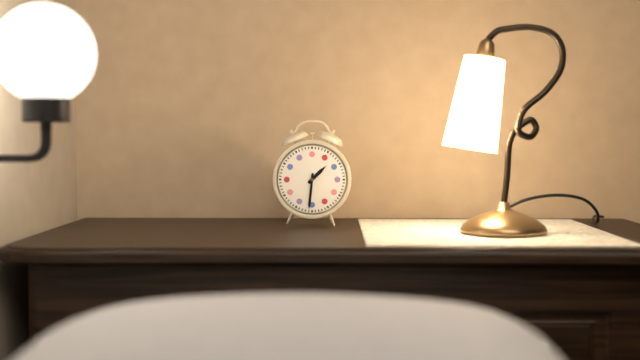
1:31
